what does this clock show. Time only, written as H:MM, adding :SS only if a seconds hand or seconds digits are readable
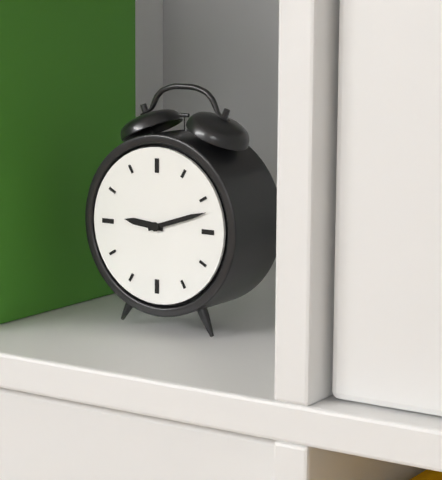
9:12
